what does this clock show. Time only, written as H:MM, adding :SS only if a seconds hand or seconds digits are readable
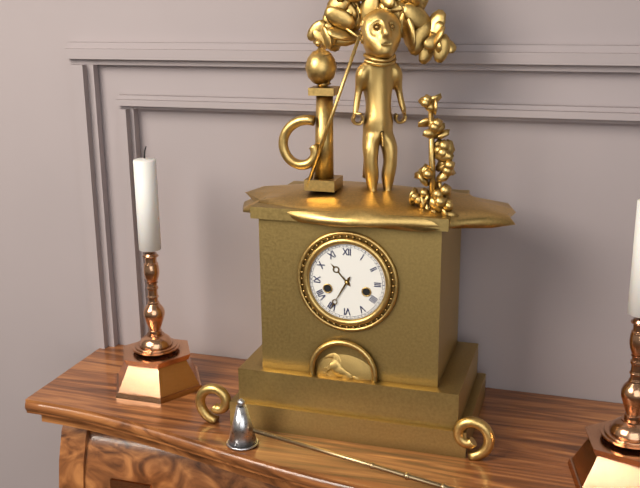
10:35
